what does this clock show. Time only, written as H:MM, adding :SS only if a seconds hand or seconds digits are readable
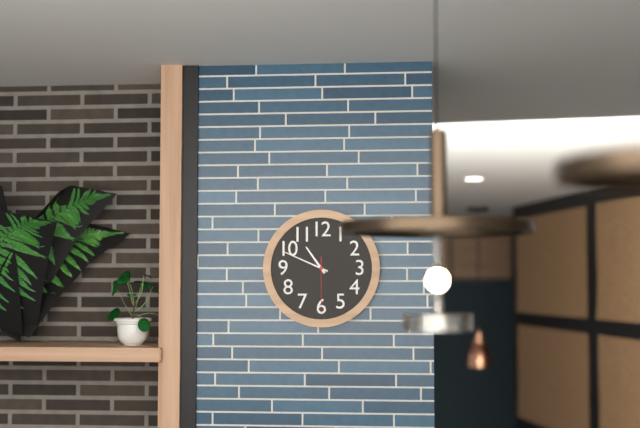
10:49:30
